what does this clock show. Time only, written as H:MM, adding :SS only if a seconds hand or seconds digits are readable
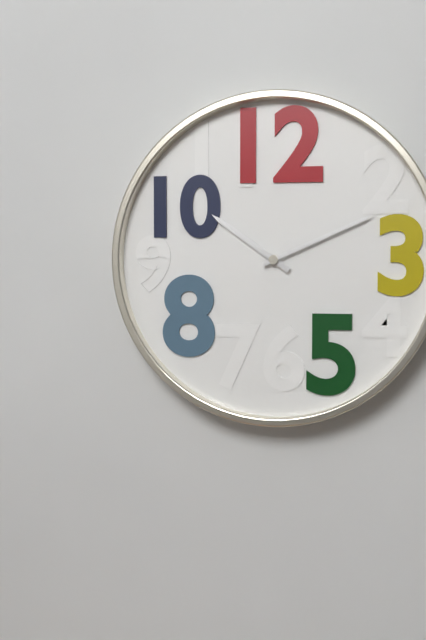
10:11
